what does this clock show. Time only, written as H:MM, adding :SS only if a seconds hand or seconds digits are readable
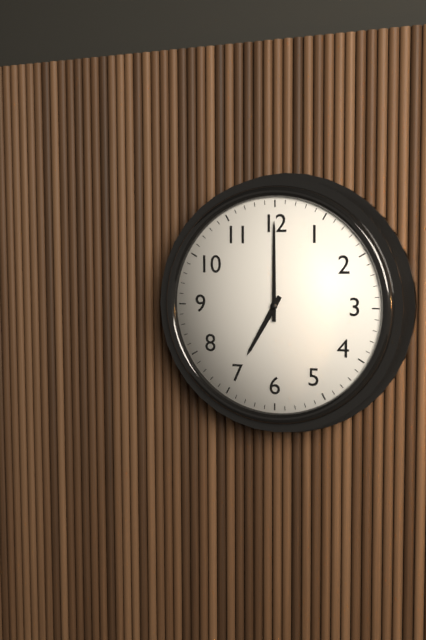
7:00
